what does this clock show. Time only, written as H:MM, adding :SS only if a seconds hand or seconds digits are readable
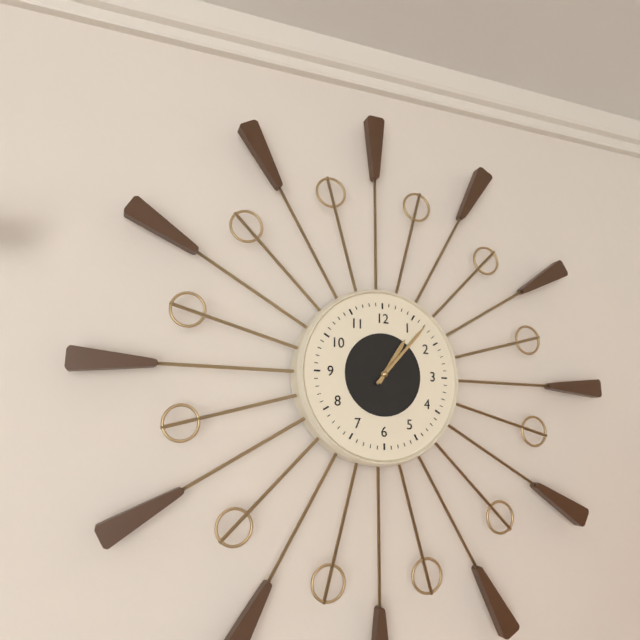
1:07
